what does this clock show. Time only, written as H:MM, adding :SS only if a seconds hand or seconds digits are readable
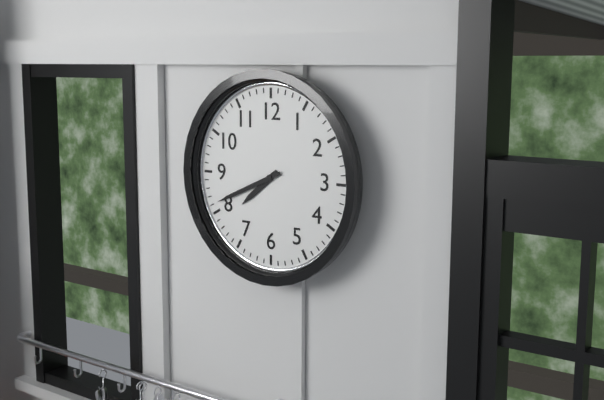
7:41
